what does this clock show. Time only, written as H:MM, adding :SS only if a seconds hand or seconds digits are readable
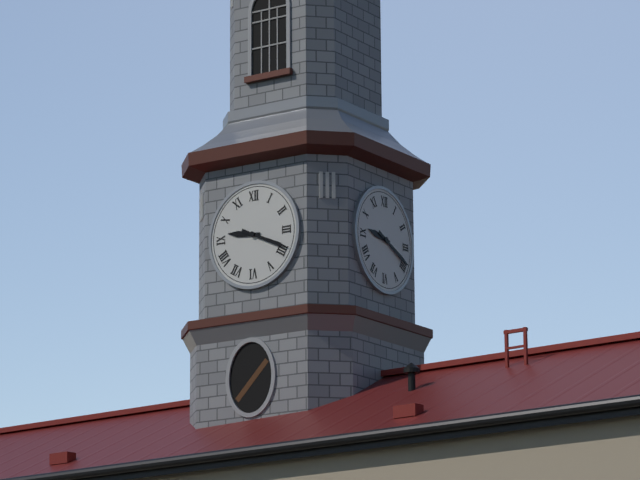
9:19
